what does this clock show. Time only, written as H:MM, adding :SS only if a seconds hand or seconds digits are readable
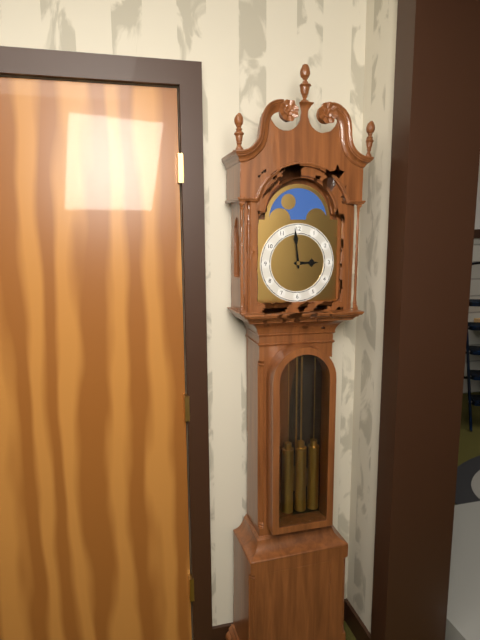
2:59
